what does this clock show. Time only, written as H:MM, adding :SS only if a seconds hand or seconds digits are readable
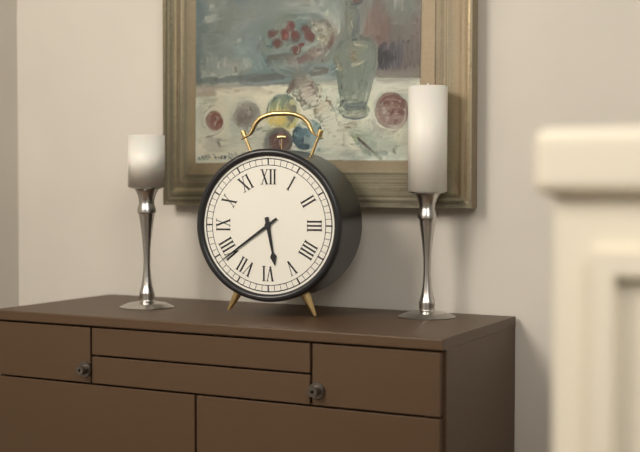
5:39
